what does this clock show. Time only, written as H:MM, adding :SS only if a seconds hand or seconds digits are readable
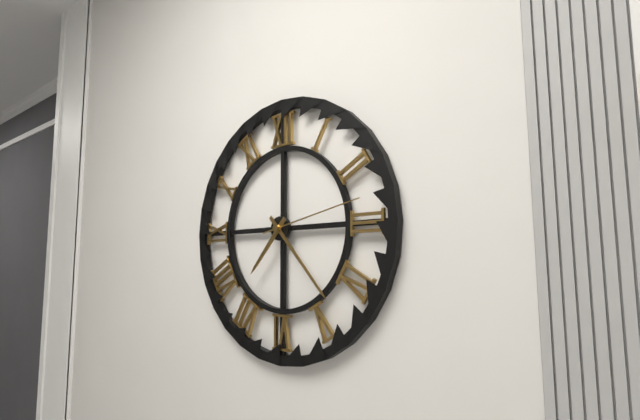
7:23:13
